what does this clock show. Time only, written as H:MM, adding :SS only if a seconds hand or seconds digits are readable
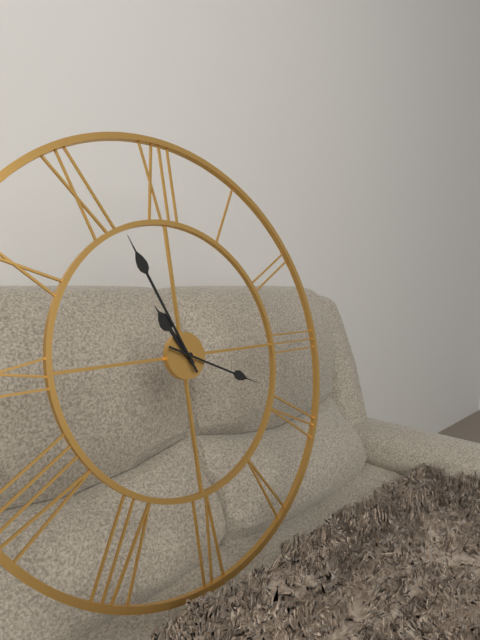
10:56:19
